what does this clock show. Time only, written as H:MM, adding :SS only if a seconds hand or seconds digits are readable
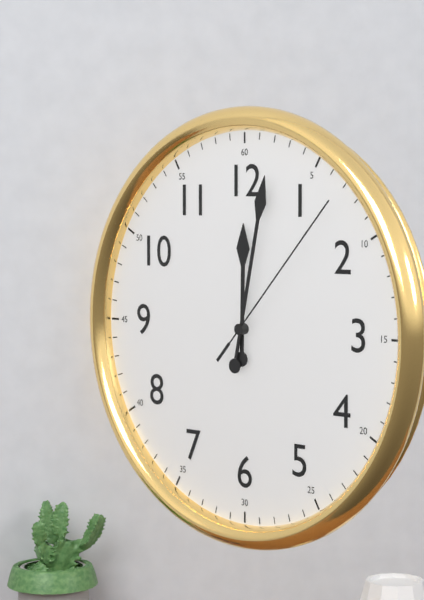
12:02:07
